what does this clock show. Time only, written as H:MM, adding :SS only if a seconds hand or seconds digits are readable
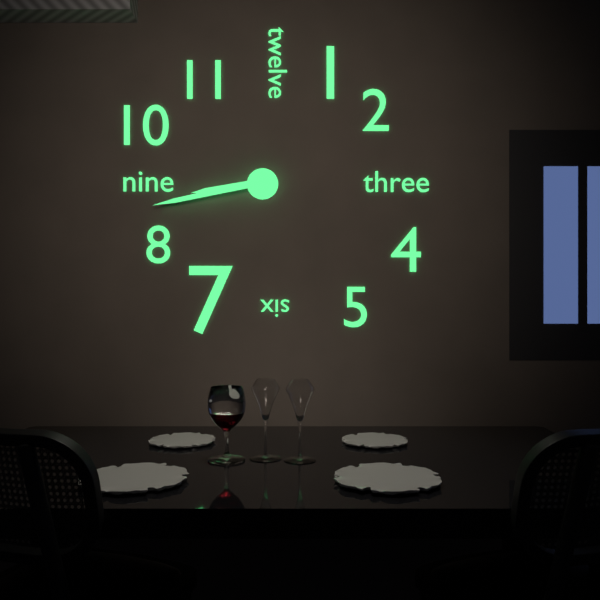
8:43
